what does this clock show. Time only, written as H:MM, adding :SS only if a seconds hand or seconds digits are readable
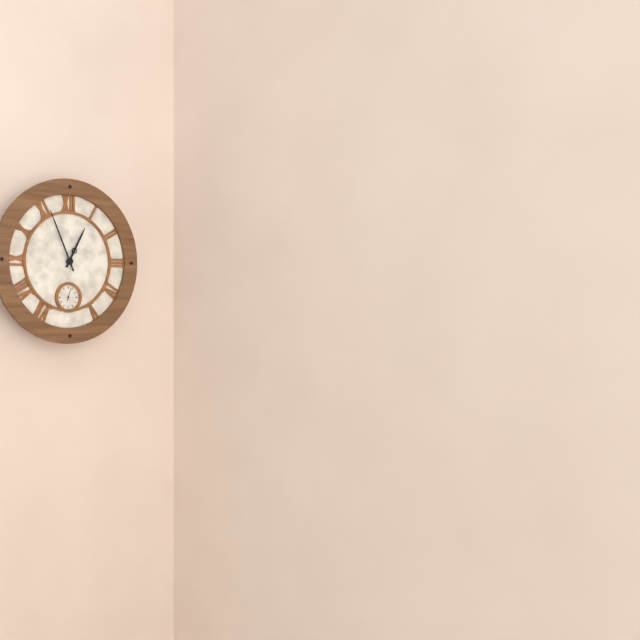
12:56
